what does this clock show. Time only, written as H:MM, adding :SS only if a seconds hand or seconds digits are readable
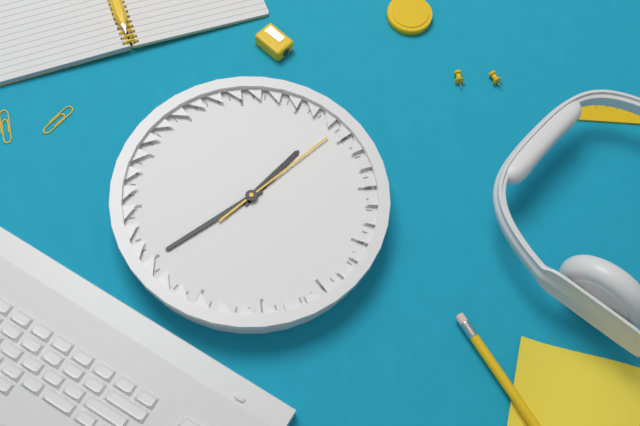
12:35:04
